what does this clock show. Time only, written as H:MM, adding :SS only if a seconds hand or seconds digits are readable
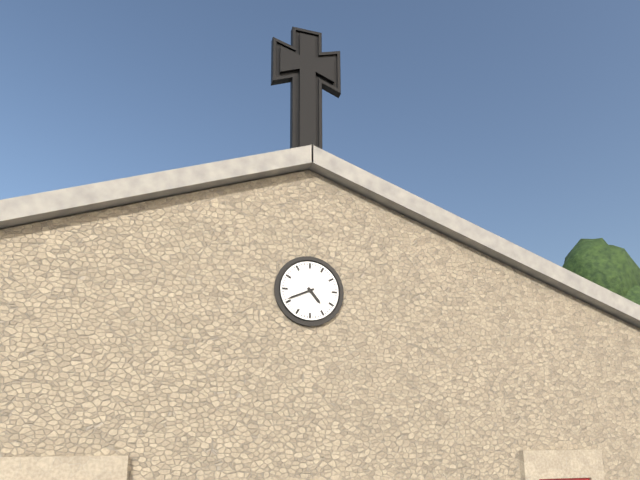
4:41
